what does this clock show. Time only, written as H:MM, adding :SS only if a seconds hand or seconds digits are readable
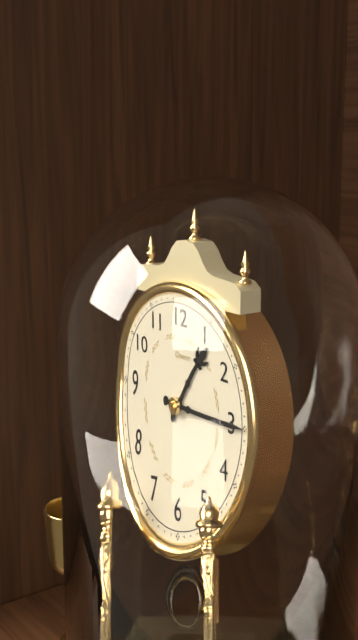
1:15
